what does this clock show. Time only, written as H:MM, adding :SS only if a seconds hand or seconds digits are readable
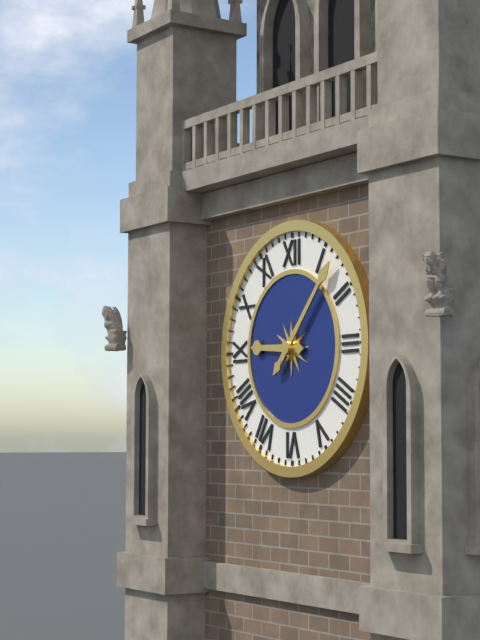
9:07
